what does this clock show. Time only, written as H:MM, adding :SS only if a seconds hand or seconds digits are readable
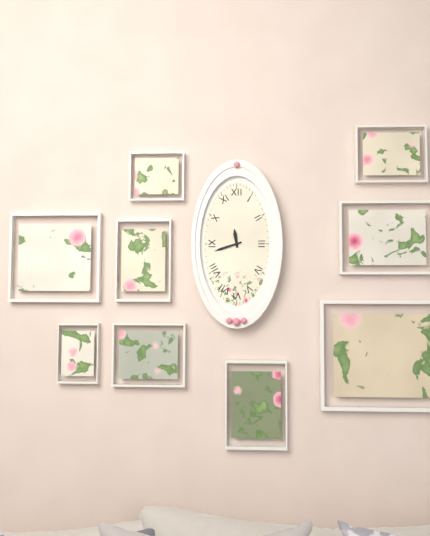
11:42
